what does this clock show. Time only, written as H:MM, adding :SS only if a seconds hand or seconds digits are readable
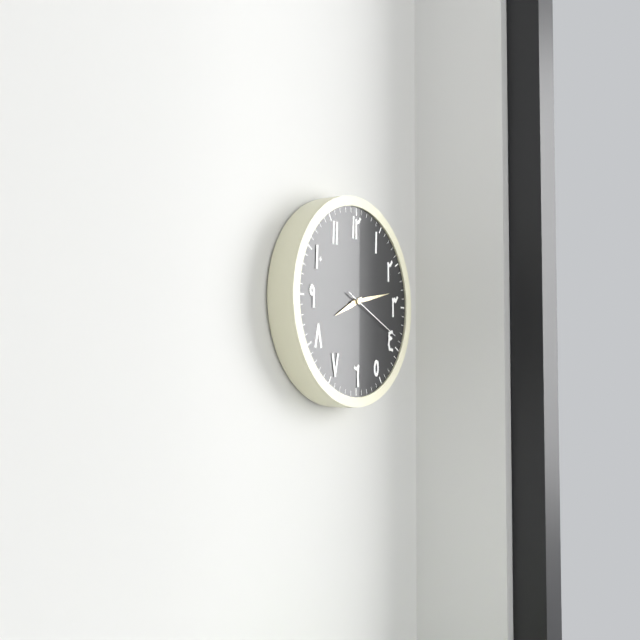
8:13:19
